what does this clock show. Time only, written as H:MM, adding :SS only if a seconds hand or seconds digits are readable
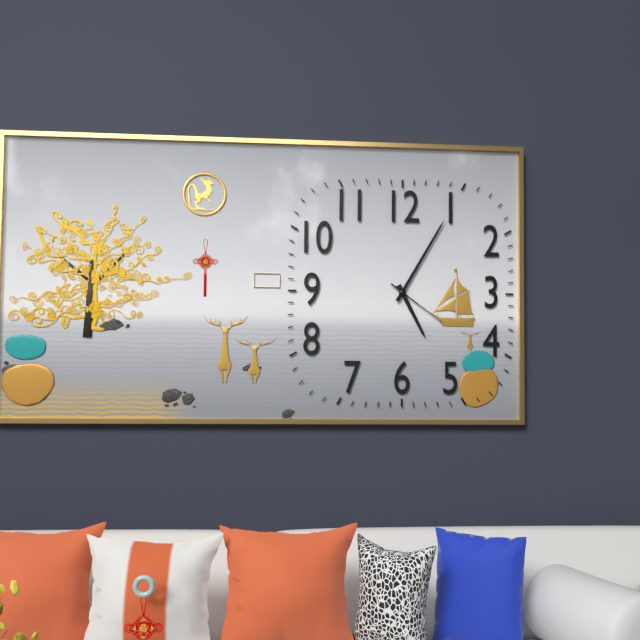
5:05:21
